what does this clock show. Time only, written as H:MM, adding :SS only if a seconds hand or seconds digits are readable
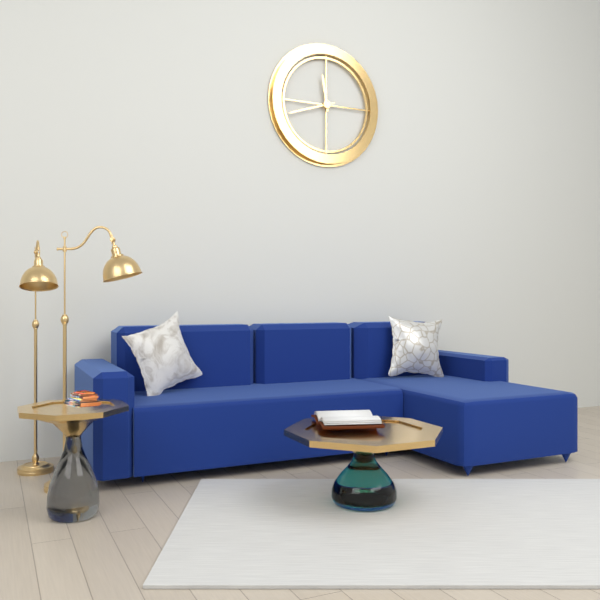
11:42
